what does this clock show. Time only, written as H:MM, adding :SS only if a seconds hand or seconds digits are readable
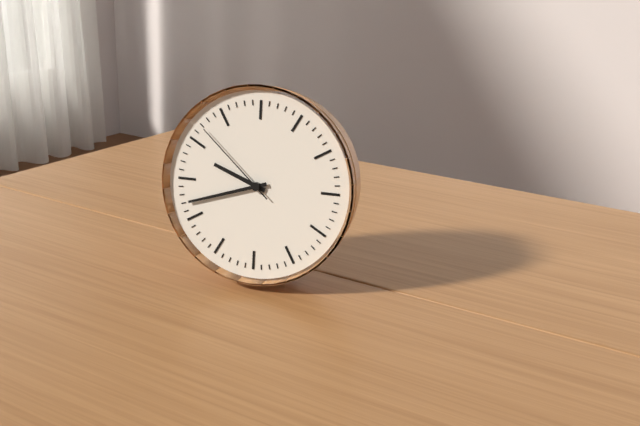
9:42:52
